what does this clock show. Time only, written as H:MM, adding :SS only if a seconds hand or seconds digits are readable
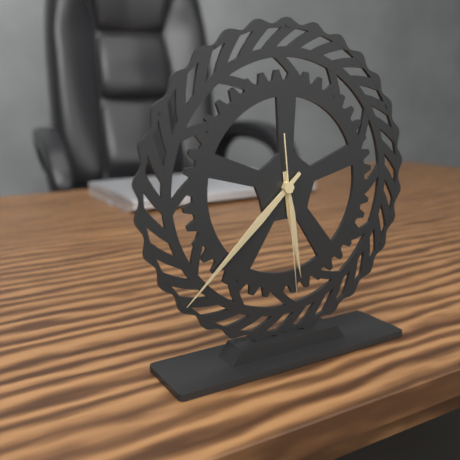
5:38:29
